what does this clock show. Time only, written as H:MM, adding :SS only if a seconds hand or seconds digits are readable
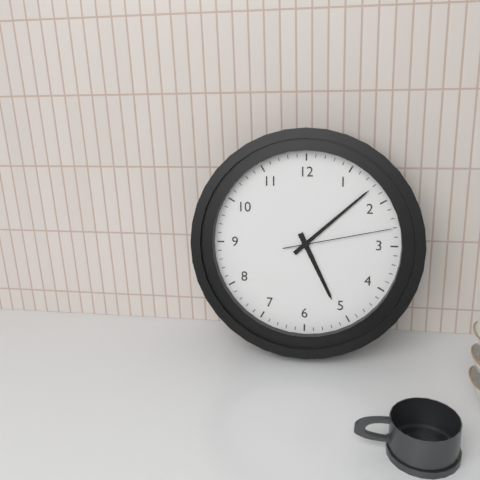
5:08:13
